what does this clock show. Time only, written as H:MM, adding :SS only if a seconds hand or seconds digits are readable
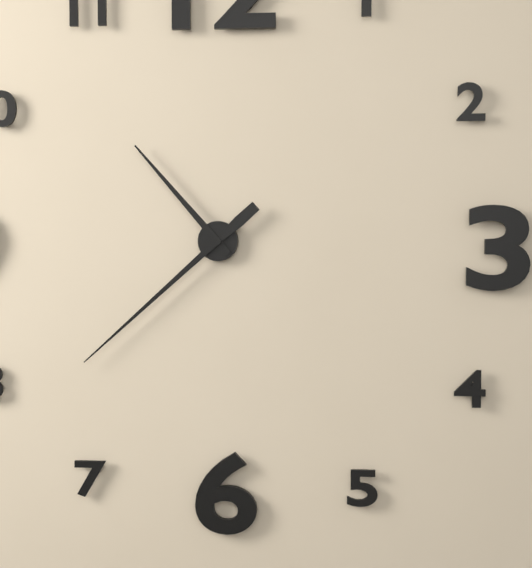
10:38
